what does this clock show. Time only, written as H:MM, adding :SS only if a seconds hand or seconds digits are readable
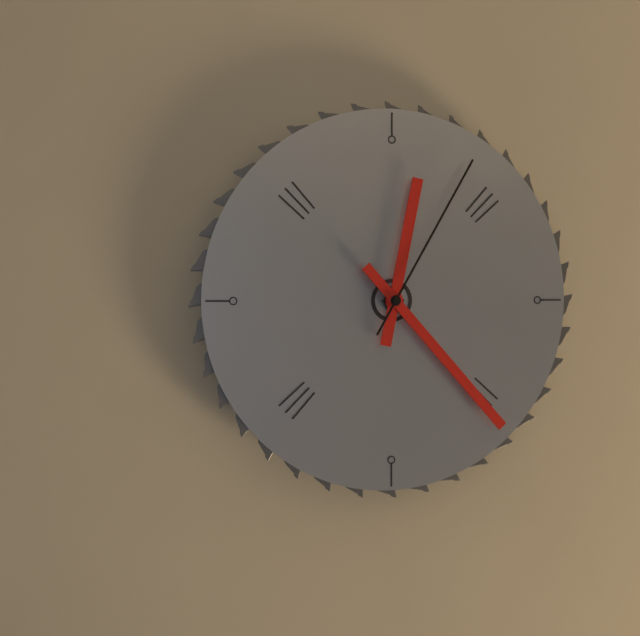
12:23:05
